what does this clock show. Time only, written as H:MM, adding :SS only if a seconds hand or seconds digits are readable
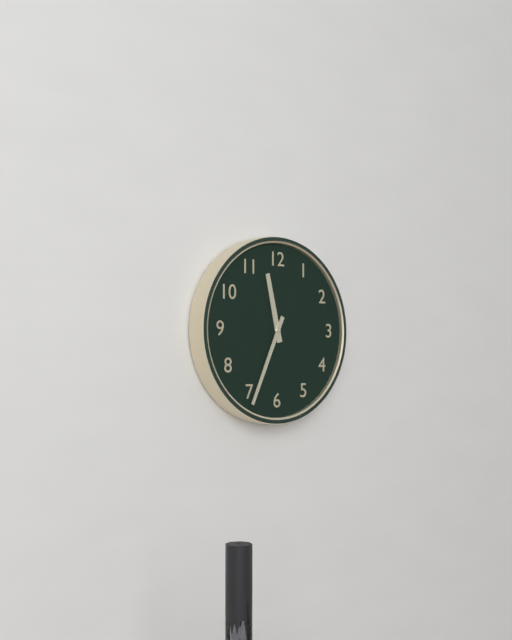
11:34
